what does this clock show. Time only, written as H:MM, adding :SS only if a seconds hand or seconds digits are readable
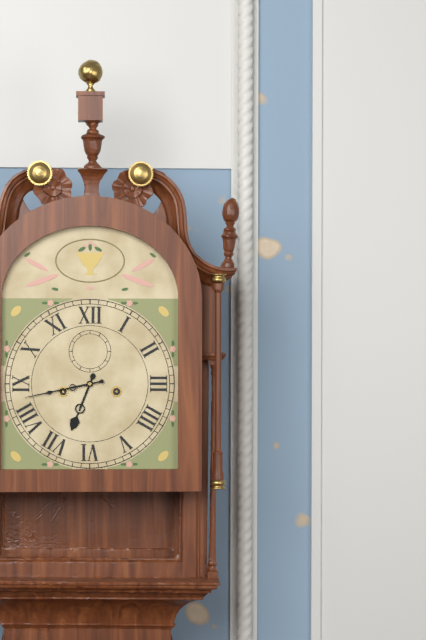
6:43
